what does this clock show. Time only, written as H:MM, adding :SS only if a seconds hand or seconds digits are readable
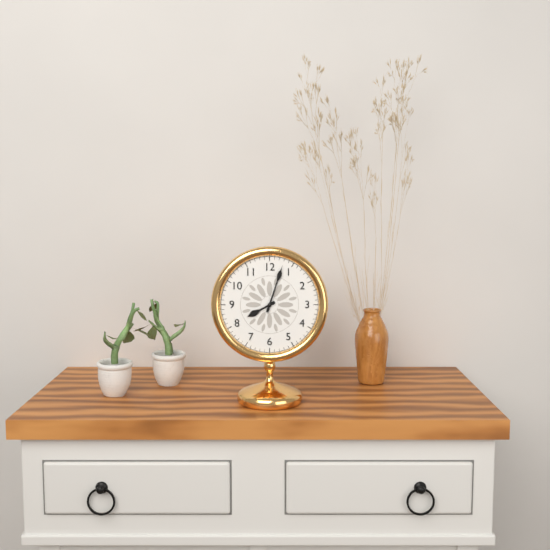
8:03
